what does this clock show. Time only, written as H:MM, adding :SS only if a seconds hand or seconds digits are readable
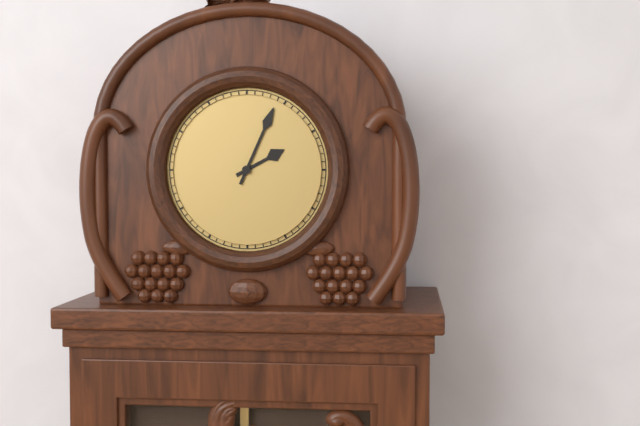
2:04
